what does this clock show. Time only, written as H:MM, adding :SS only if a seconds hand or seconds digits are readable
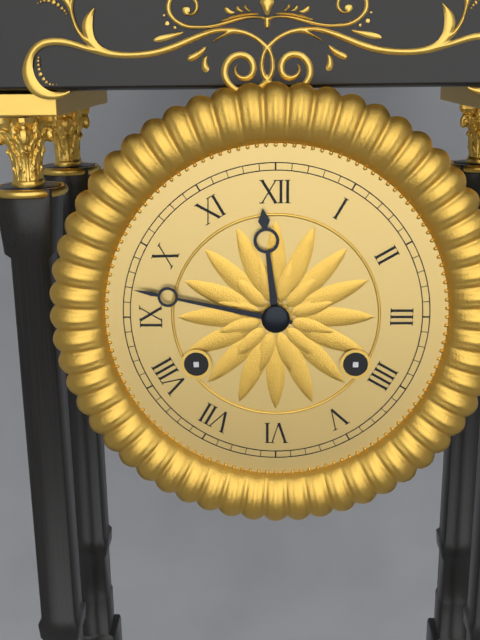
11:47
